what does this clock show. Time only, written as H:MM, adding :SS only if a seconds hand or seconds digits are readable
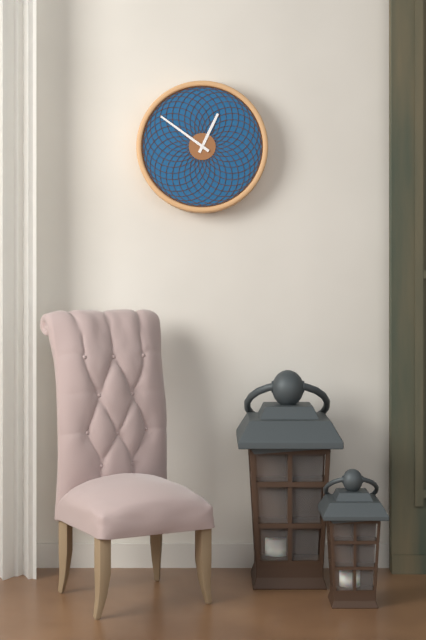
12:51
